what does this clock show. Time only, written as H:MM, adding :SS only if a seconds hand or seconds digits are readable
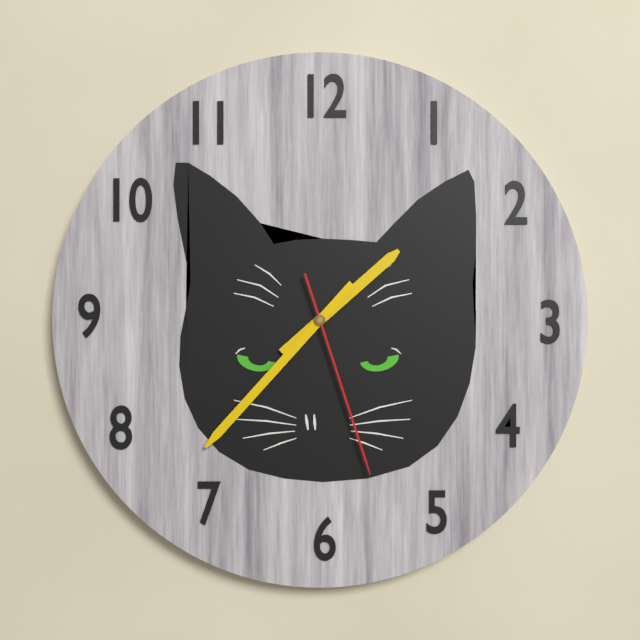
1:37:27
